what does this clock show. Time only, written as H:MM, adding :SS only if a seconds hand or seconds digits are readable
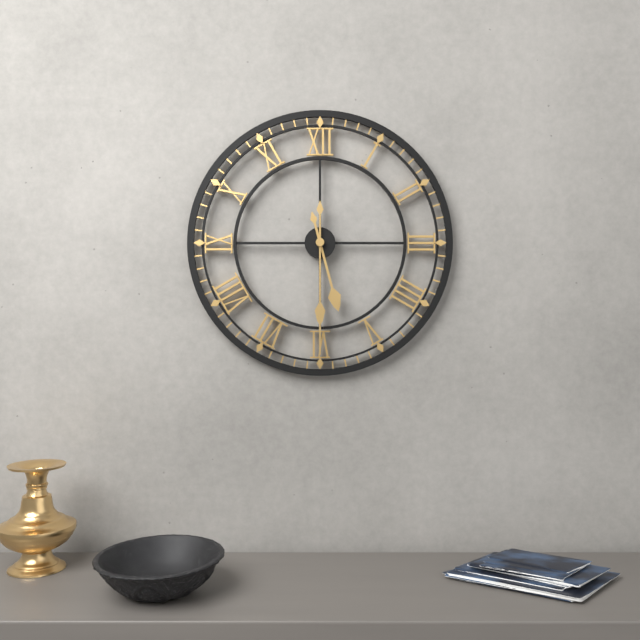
5:30
